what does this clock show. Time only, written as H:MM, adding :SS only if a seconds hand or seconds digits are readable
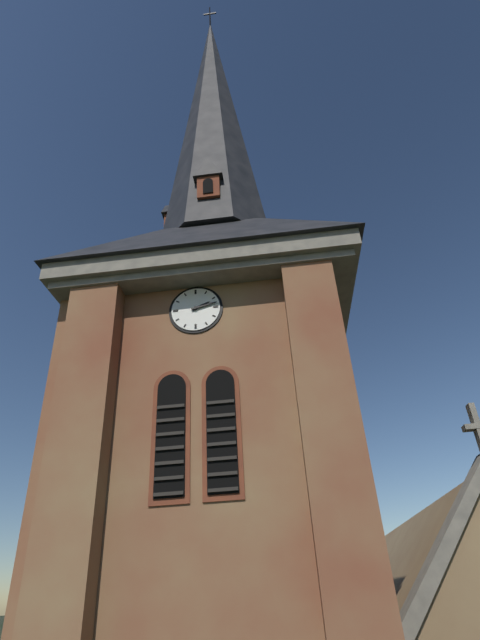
2:13
